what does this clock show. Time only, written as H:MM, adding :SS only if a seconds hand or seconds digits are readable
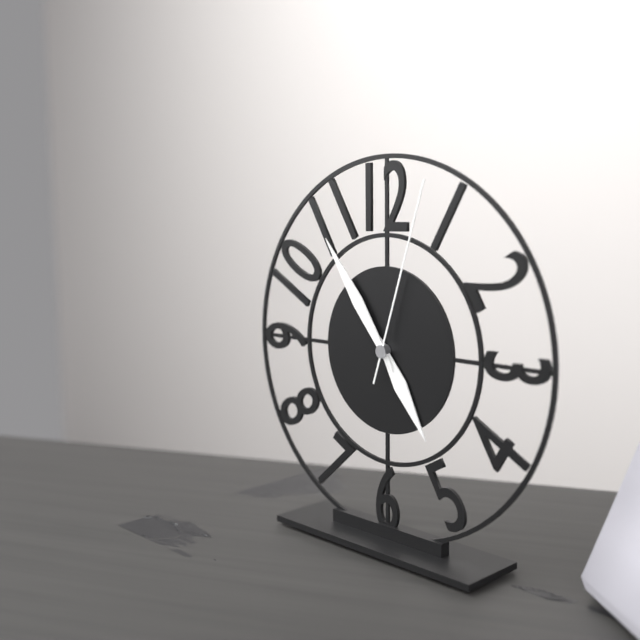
4:54:03
